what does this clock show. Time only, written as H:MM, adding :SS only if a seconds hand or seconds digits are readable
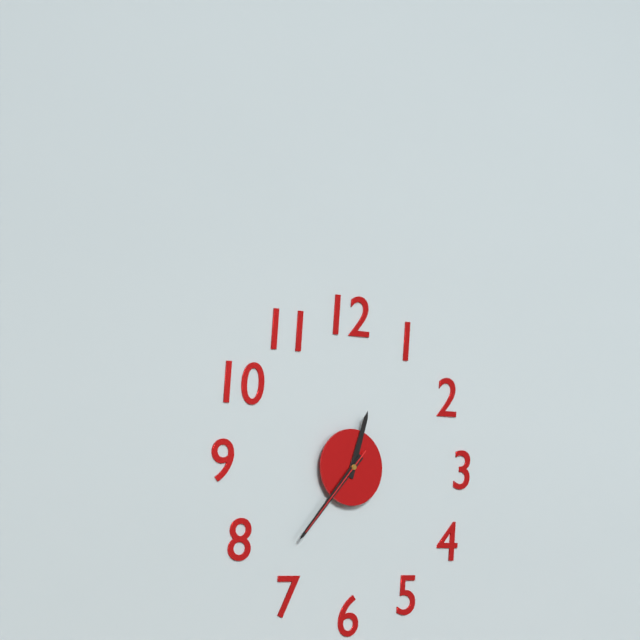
12:37:37
